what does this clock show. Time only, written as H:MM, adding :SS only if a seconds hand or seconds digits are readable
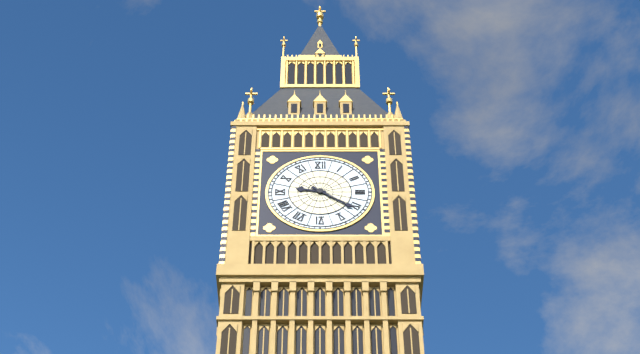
9:21
